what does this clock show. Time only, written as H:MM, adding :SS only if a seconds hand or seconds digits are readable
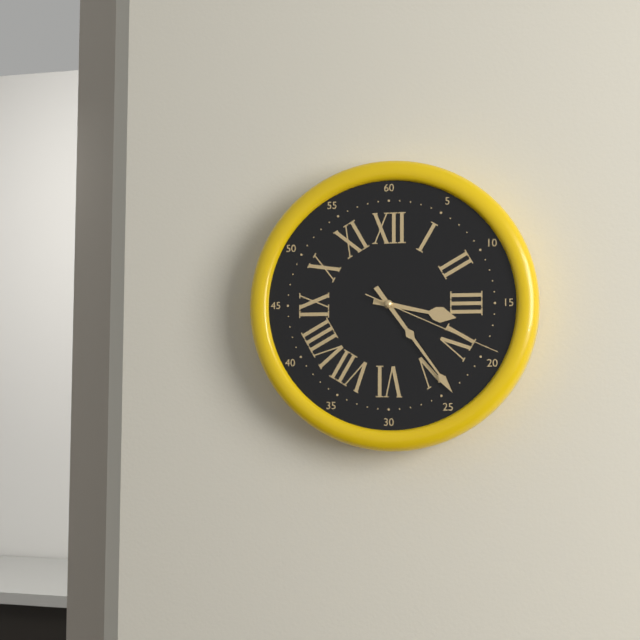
3:24:19
